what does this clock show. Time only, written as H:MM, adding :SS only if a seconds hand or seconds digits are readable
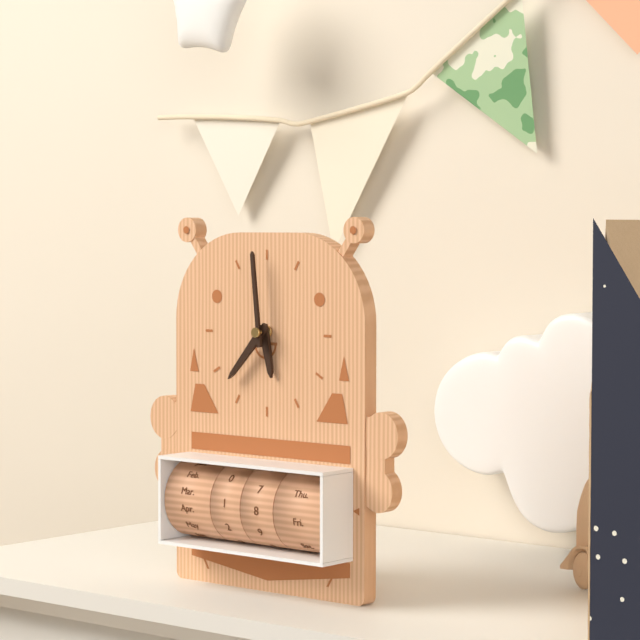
5:37:59
